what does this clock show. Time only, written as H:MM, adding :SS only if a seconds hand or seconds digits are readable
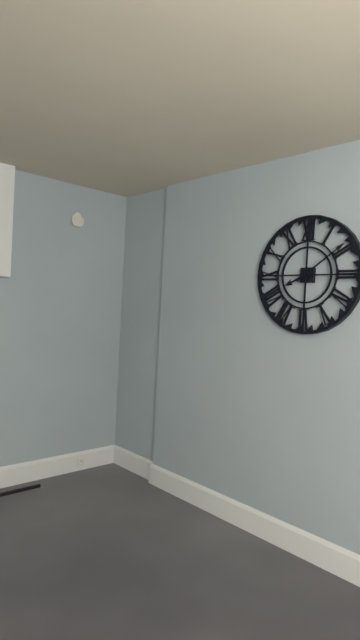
8:09
